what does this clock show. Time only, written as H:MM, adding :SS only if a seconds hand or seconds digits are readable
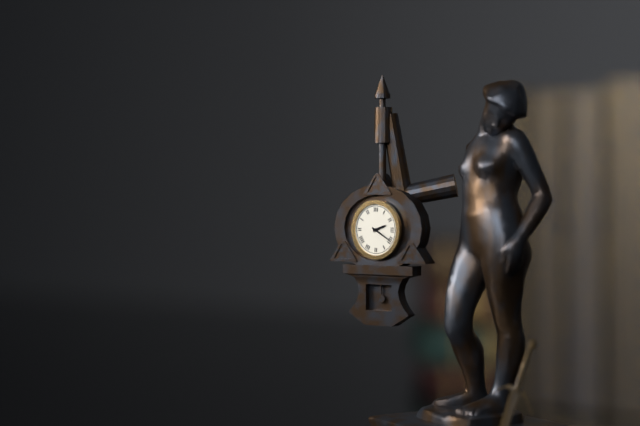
2:20
